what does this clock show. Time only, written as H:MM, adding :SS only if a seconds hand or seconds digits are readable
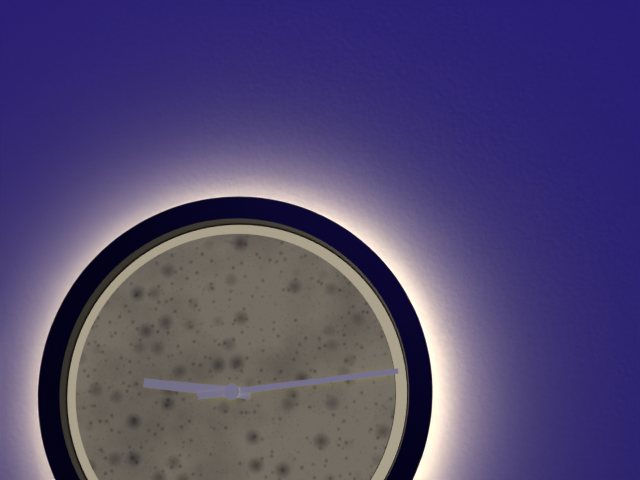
9:14
